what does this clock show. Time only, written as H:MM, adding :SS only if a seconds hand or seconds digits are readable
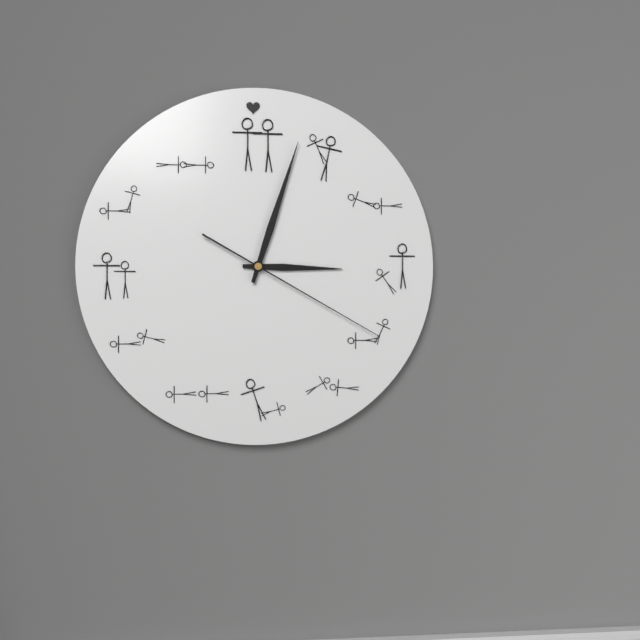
3:03:20
